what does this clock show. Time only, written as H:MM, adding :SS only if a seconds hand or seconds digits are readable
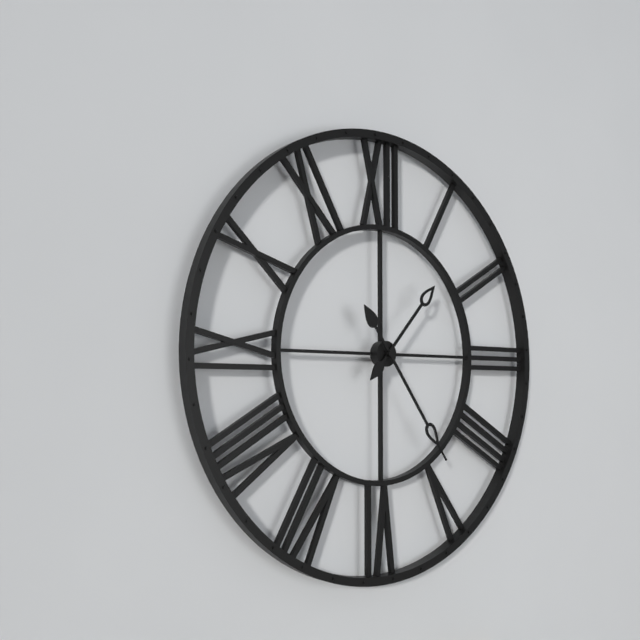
1:24
